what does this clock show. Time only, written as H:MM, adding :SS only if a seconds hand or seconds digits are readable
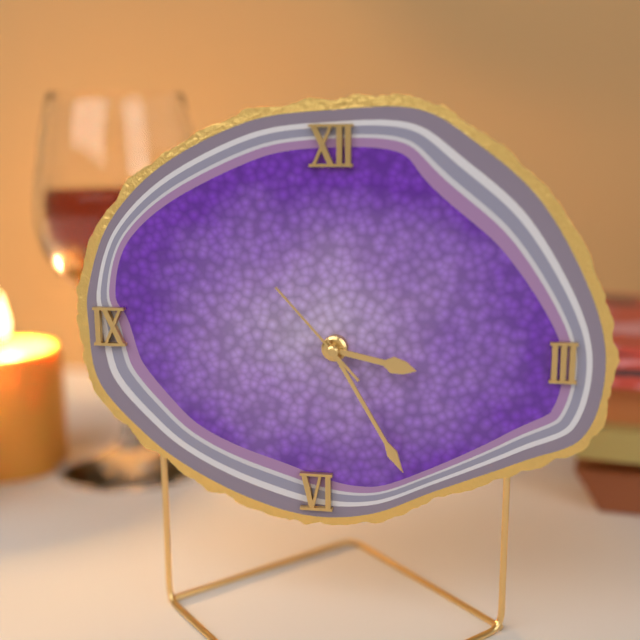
3:25:53
